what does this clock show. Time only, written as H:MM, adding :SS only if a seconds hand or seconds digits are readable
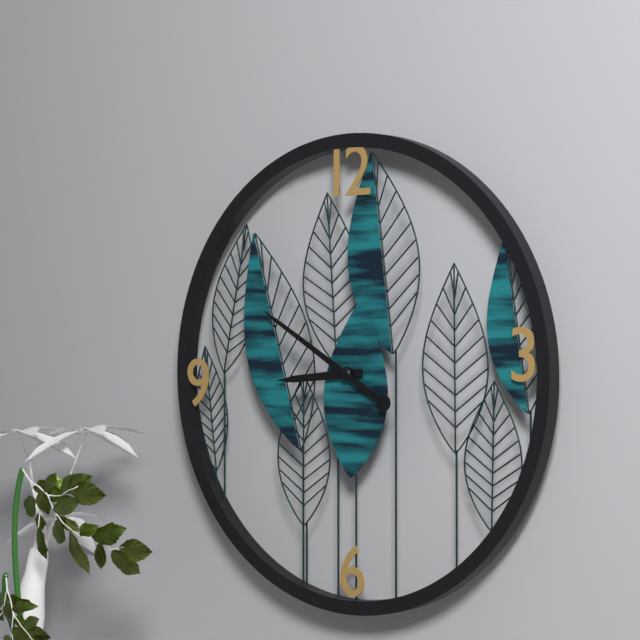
8:50
